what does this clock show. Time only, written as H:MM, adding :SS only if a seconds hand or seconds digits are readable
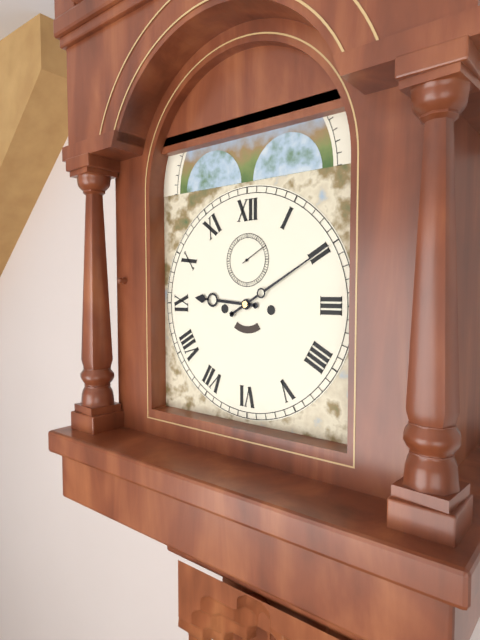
9:10
